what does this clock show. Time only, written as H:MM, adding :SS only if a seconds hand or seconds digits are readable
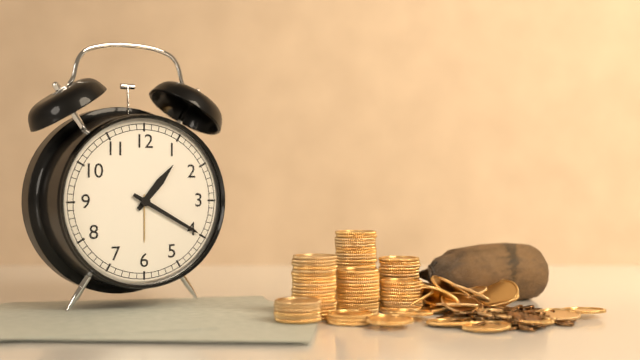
1:20
